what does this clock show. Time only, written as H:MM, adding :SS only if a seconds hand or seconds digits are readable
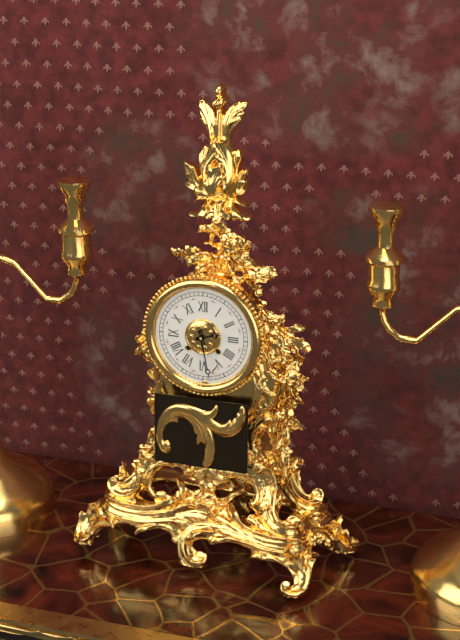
2:28
